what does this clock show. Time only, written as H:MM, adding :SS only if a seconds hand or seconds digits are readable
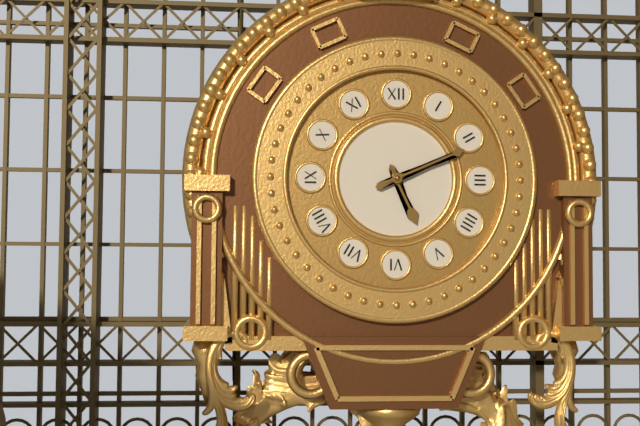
5:11
